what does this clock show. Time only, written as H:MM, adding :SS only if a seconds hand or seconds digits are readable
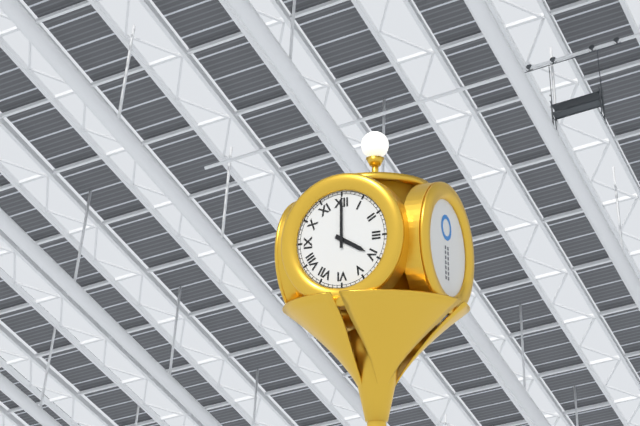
4:00
